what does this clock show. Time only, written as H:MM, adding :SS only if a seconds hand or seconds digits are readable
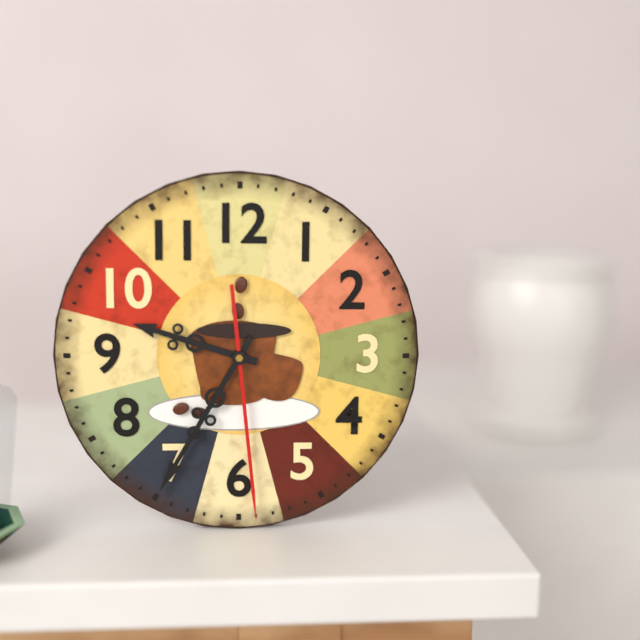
9:35:29
